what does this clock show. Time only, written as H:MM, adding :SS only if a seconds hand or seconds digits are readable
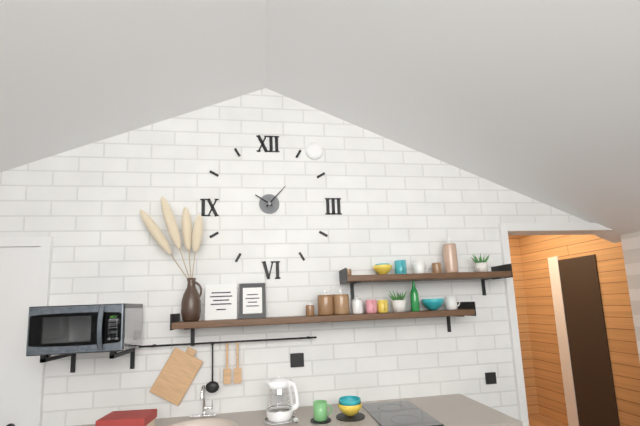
10:07
